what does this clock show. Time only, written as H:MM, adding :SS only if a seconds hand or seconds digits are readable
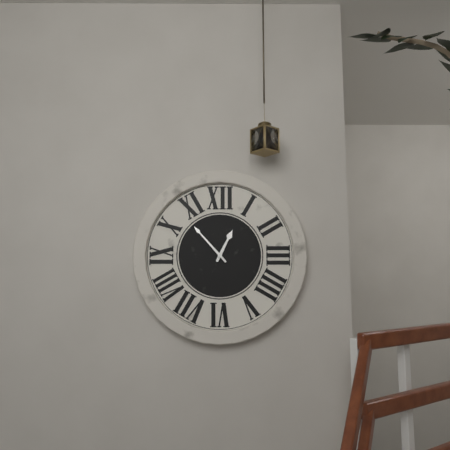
12:53
